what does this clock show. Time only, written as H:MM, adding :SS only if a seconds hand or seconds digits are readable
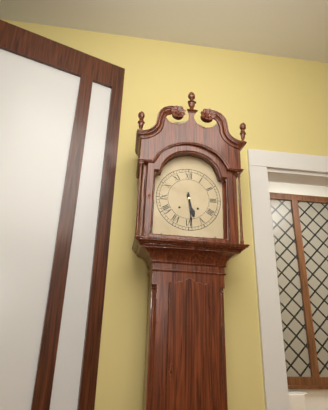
5:29
